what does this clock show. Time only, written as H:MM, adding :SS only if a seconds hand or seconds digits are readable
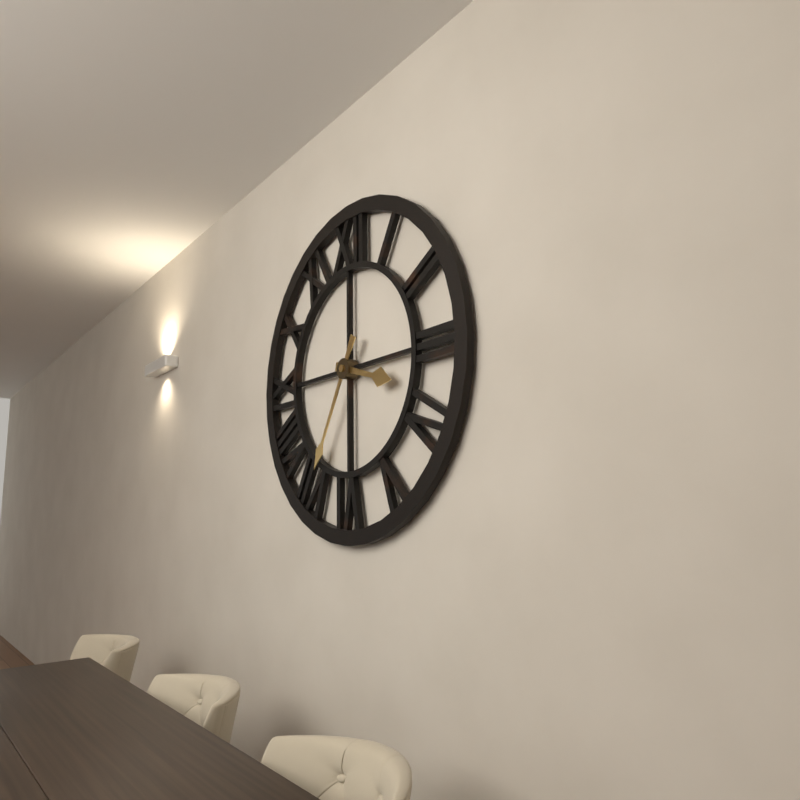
3:35
